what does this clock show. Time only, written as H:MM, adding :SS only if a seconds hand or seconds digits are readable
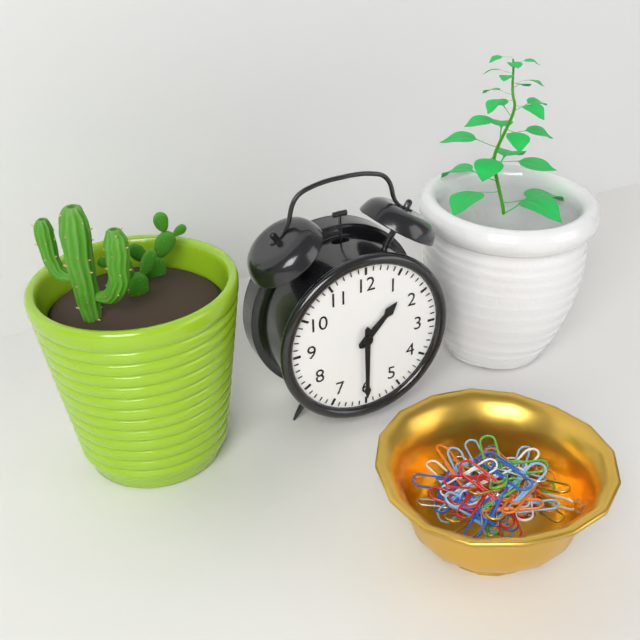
1:30
